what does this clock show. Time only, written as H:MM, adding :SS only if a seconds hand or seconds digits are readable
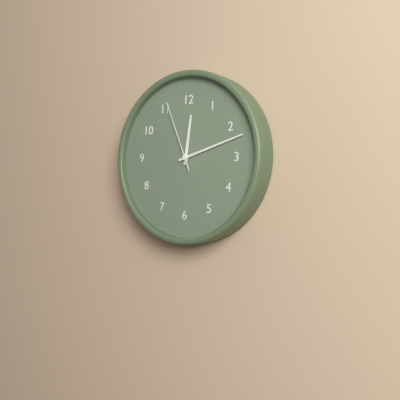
12:12:56
